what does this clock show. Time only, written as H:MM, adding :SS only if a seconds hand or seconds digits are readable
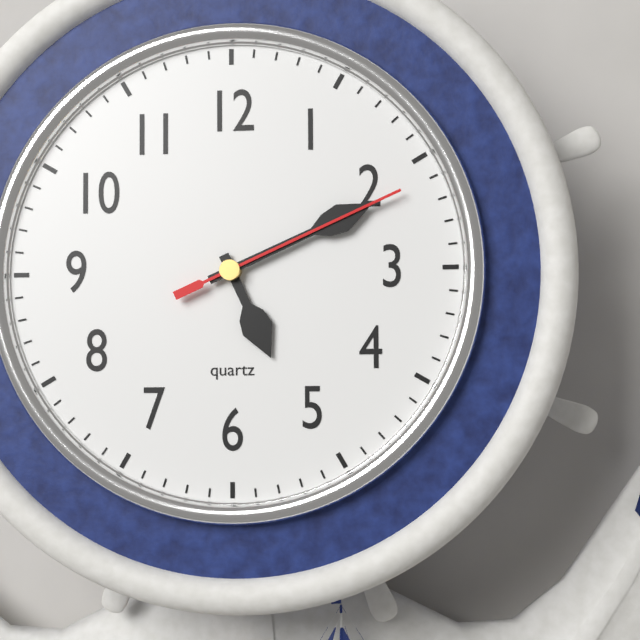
5:11:11
